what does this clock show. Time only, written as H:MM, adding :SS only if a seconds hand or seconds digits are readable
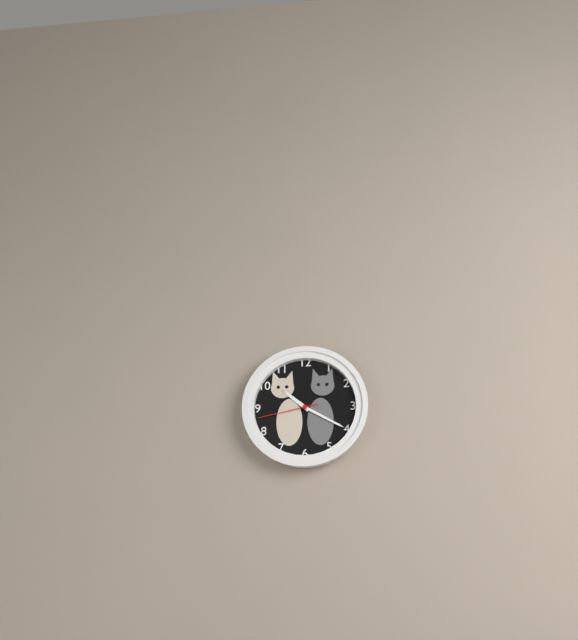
10:20:43
